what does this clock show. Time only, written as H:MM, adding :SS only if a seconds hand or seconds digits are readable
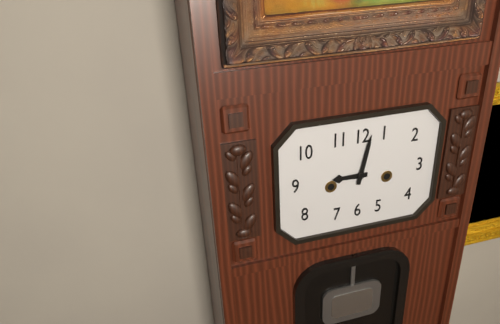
9:02
